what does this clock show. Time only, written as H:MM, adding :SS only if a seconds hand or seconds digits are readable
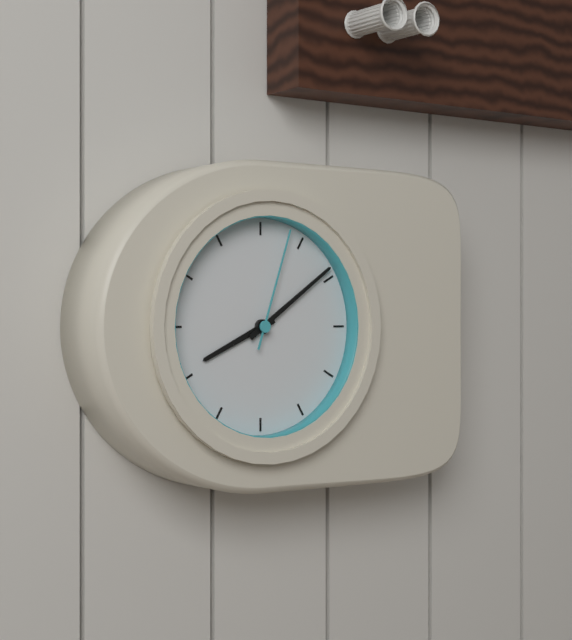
8:09:03
